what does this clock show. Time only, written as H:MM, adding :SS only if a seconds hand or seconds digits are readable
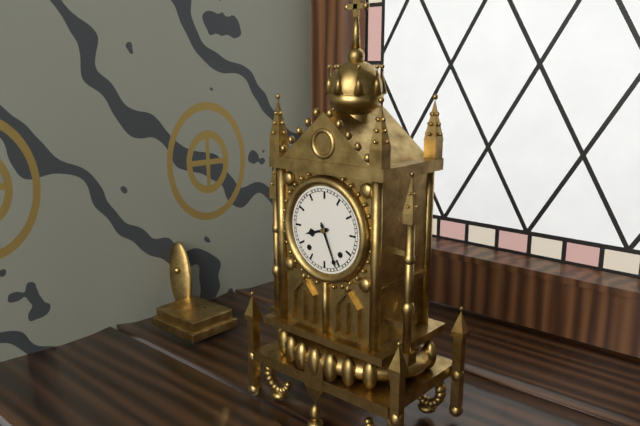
8:26
